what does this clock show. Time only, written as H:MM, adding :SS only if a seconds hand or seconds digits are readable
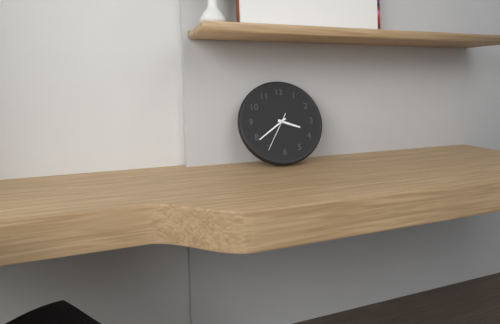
3:39
